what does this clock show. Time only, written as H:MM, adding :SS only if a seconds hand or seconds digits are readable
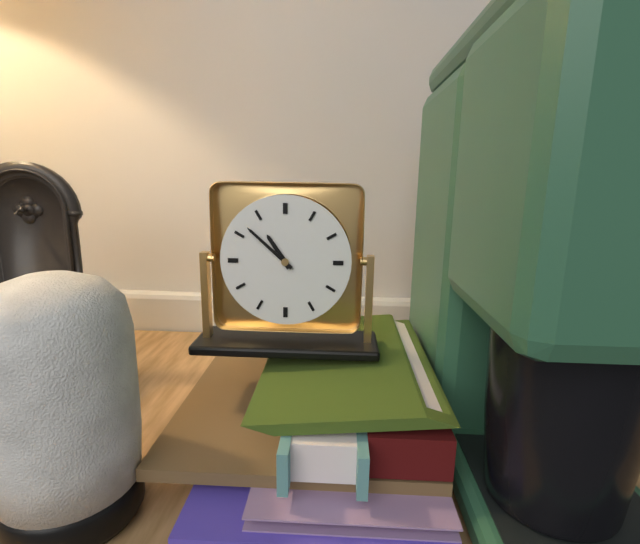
10:52
